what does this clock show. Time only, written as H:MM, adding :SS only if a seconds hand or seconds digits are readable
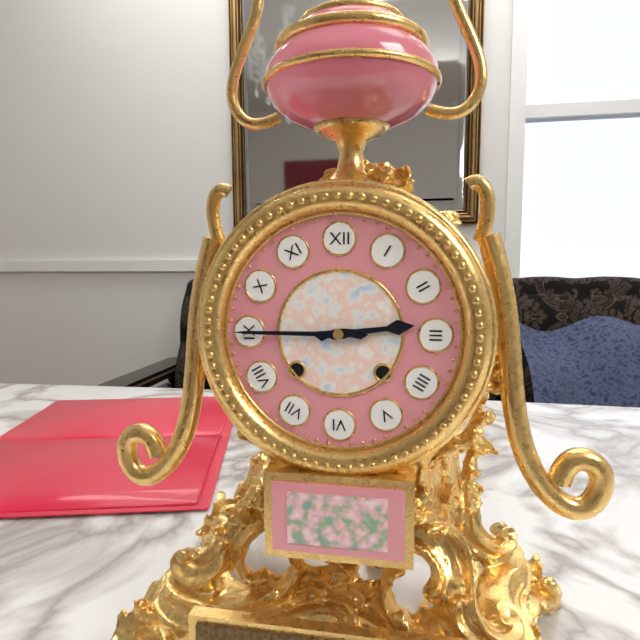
2:45
